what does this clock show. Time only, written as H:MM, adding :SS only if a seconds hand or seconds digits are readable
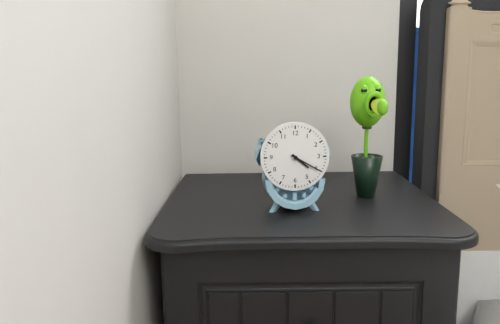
4:20
